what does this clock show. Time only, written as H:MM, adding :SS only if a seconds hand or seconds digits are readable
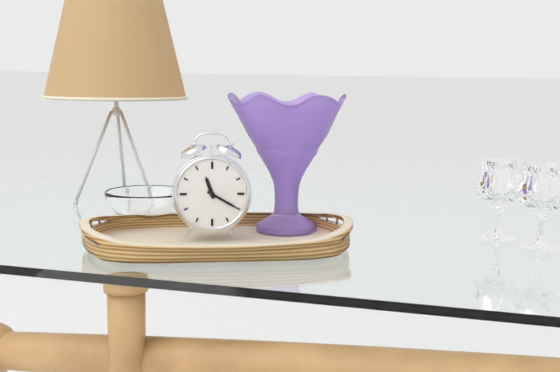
11:20
